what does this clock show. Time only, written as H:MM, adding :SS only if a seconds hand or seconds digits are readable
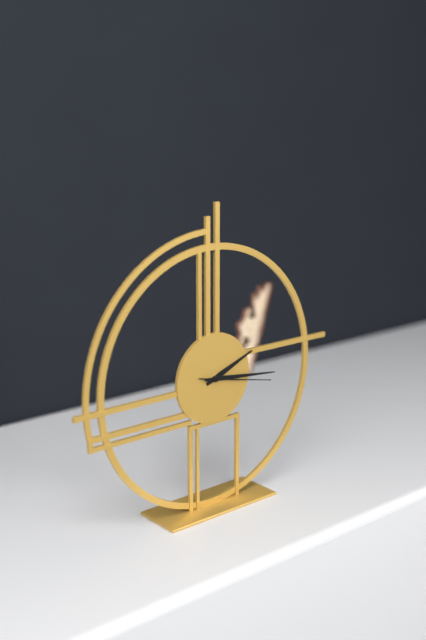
2:16:17
